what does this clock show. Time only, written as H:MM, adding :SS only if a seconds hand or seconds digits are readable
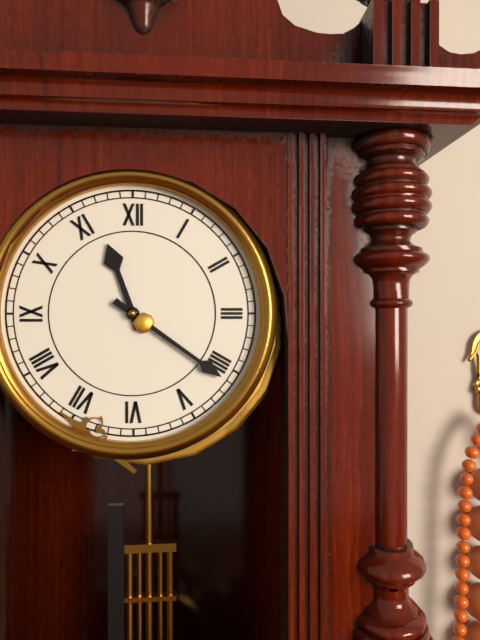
11:21
